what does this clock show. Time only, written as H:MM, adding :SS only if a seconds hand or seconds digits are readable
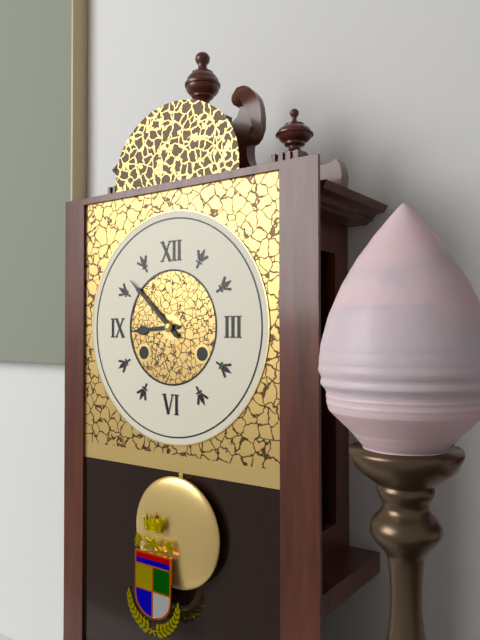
8:52
